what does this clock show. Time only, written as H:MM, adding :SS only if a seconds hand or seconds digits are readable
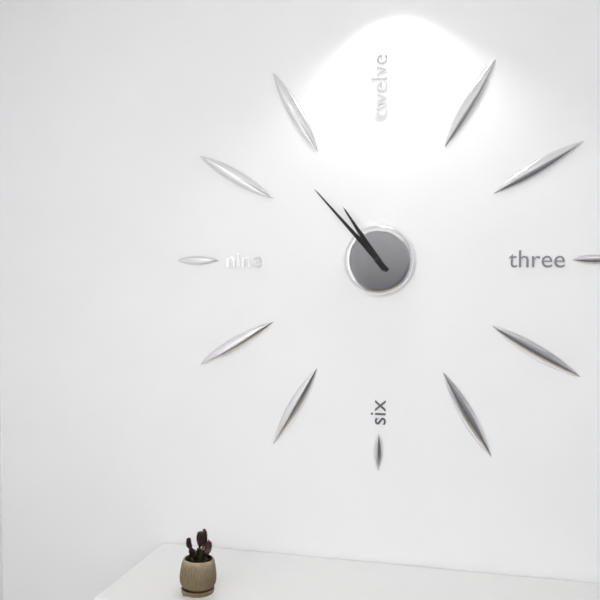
10:53
